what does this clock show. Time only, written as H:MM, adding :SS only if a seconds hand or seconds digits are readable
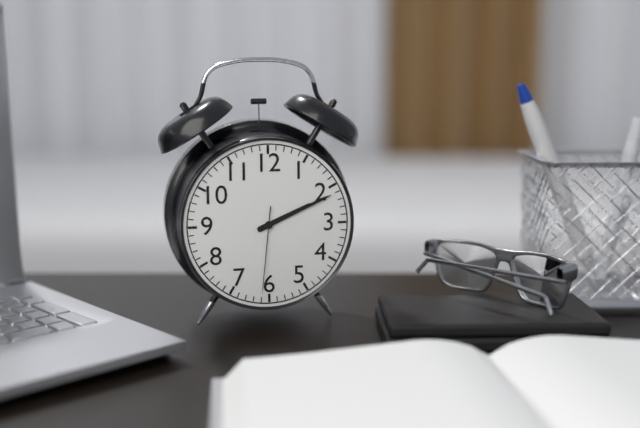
2:11:31
